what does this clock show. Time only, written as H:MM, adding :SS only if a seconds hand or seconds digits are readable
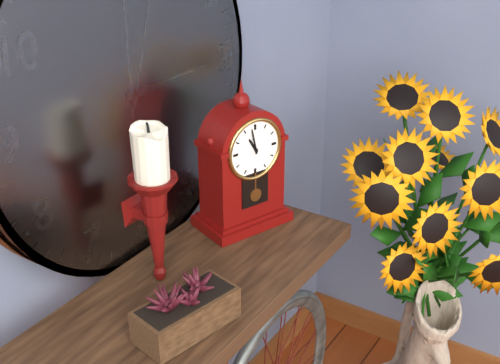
10:58
